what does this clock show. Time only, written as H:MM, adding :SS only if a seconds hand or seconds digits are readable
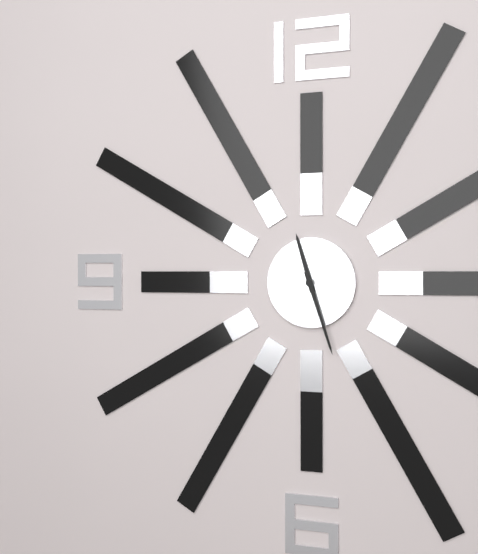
11:27
